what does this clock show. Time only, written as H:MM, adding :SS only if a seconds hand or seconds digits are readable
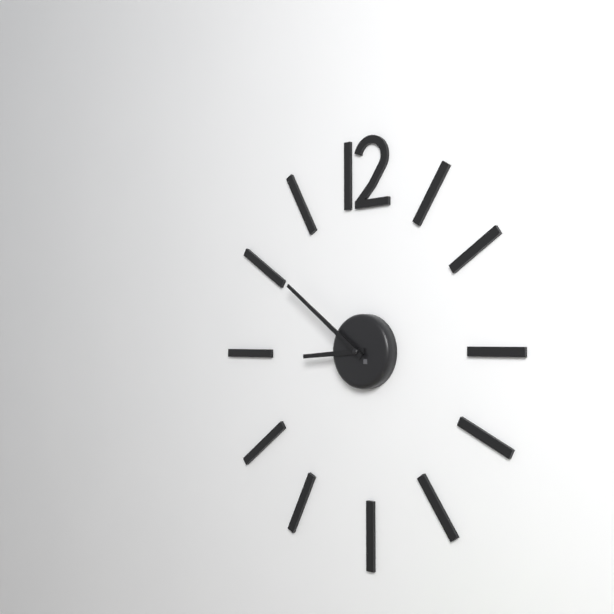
8:51
